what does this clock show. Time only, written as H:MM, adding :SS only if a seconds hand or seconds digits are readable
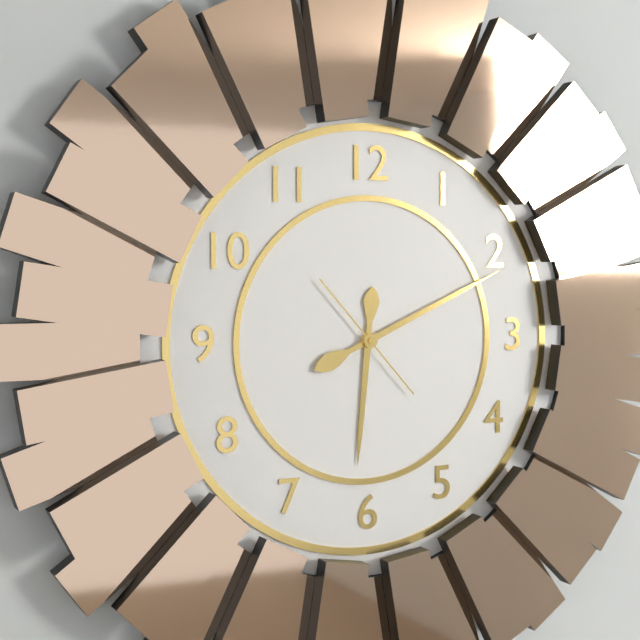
6:11:53
